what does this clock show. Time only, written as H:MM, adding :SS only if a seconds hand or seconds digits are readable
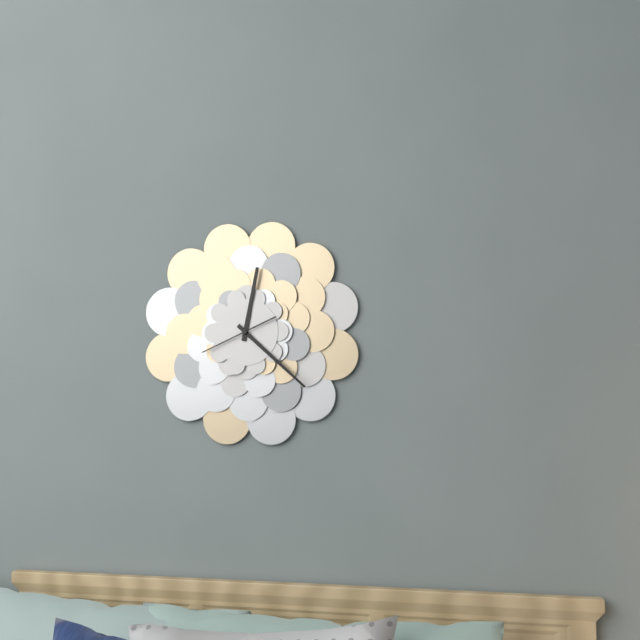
12:22:41
